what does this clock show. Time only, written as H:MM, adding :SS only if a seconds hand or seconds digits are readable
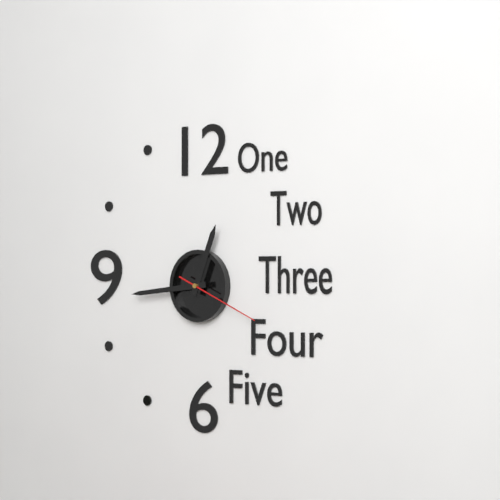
12:44:19
